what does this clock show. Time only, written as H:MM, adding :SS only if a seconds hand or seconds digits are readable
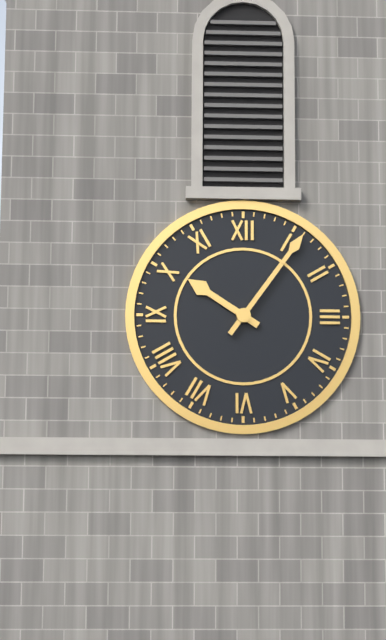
10:06
